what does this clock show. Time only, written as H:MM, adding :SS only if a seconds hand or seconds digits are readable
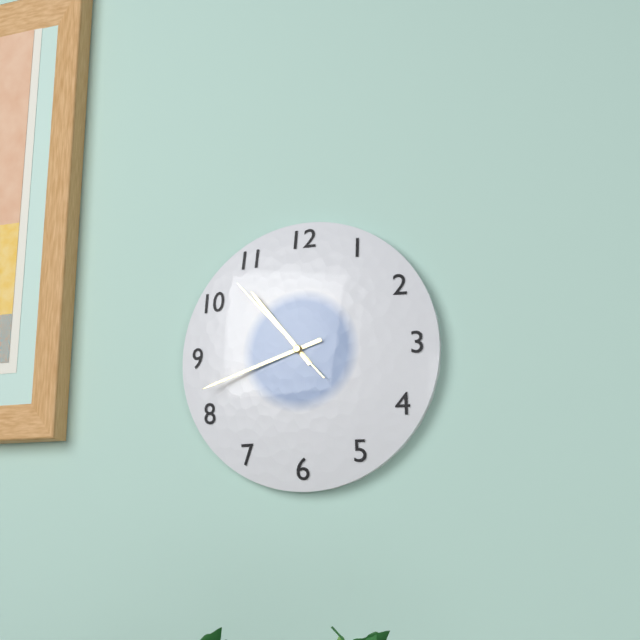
10:42:53
